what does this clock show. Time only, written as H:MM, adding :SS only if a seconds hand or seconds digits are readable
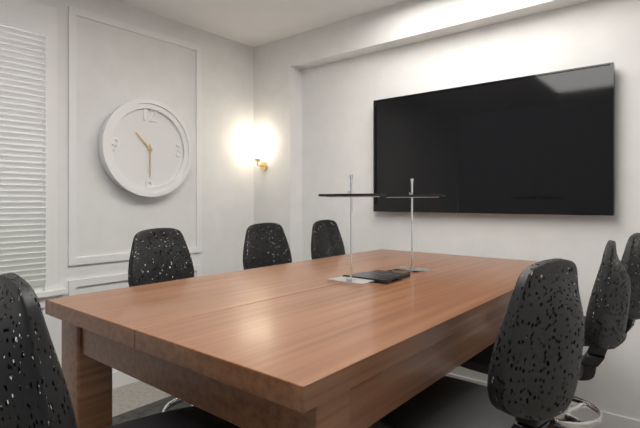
10:30
